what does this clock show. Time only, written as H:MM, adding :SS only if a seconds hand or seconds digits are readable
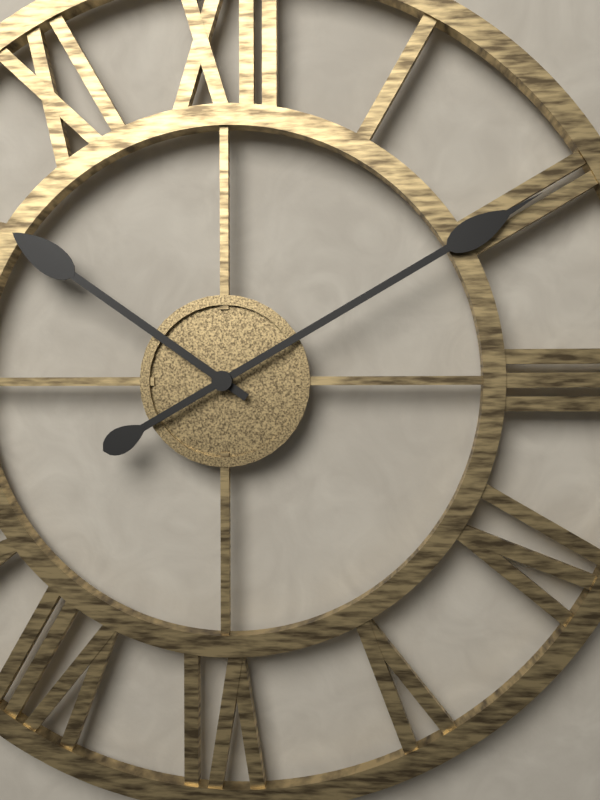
10:10
